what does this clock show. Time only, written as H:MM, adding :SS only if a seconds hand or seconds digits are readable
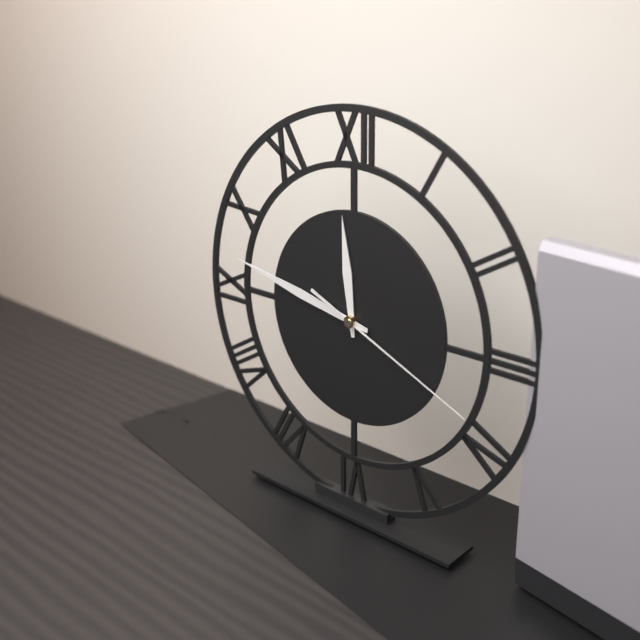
11:47:19
